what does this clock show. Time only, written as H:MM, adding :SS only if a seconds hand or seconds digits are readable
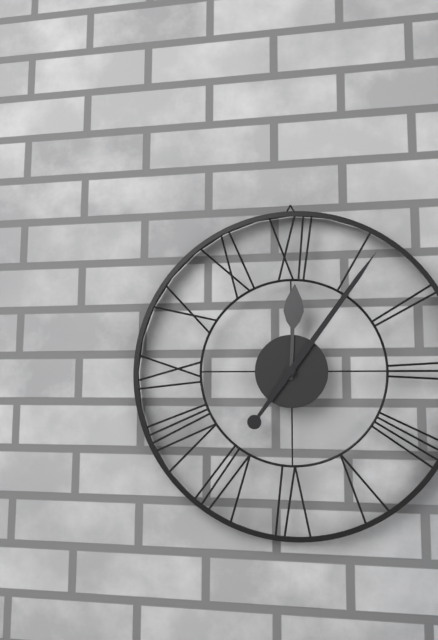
12:06
